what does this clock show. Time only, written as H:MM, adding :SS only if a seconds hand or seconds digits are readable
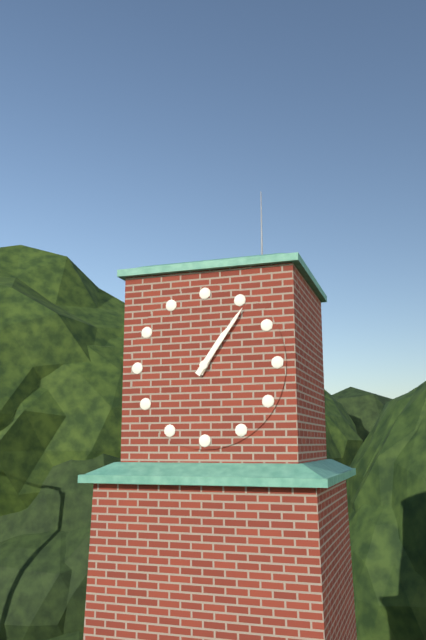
1:06
